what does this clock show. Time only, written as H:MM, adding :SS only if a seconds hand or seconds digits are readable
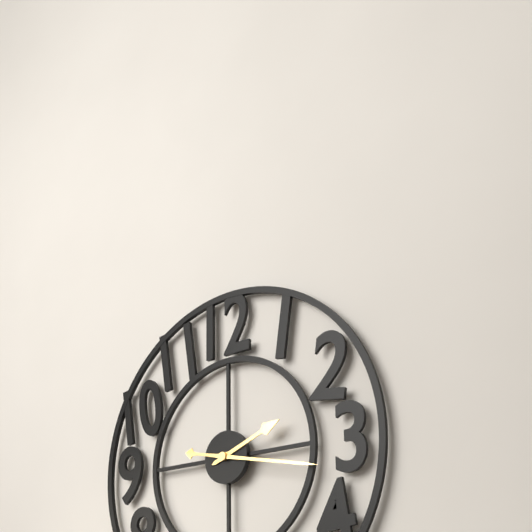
2:17
